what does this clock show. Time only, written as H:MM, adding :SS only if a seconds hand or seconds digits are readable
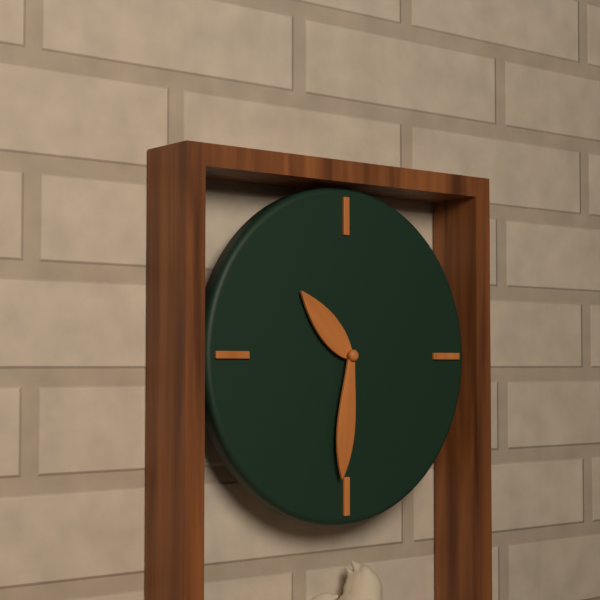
10:31
